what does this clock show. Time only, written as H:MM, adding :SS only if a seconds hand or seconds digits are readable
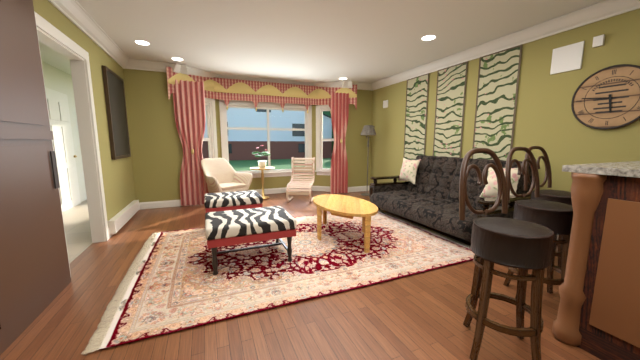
5:46
